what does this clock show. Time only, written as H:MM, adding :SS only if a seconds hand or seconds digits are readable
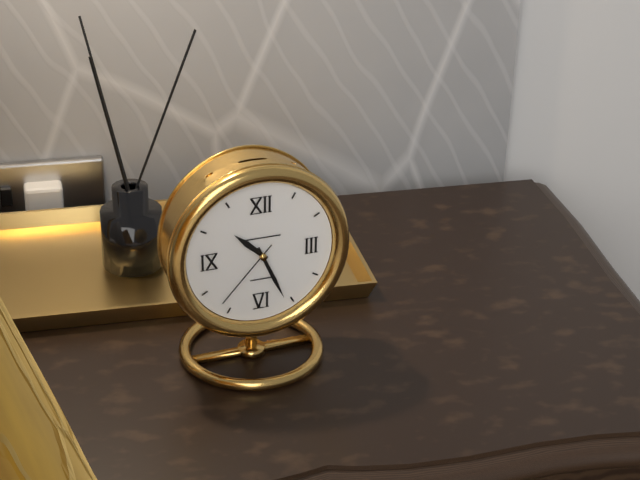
10:26:37
